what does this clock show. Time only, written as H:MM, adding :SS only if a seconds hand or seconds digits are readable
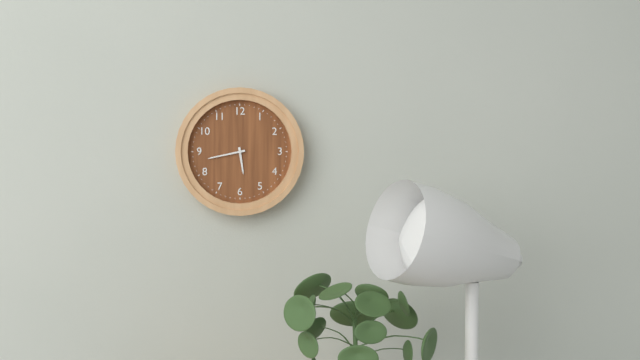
5:43
